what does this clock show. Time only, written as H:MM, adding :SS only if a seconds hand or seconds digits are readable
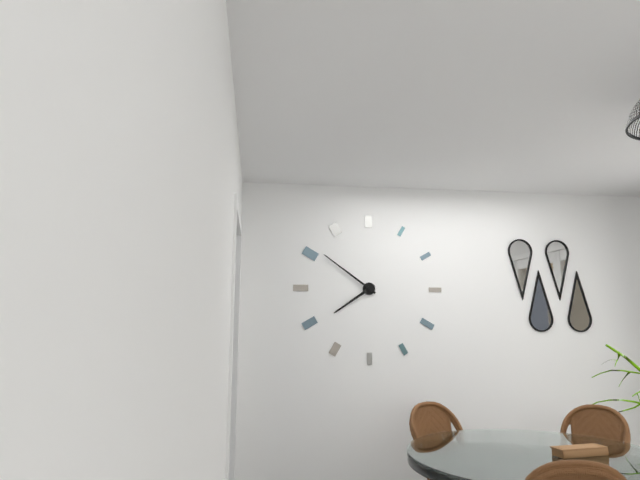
7:51
